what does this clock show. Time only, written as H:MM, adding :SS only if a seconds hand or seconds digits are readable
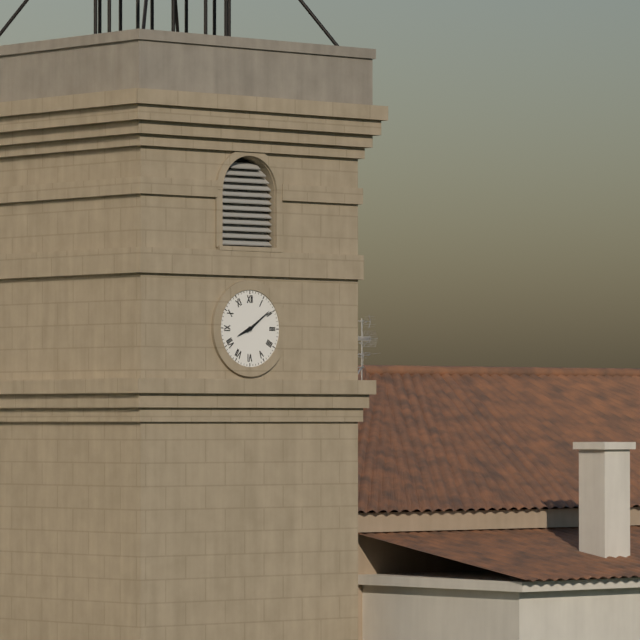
8:09
